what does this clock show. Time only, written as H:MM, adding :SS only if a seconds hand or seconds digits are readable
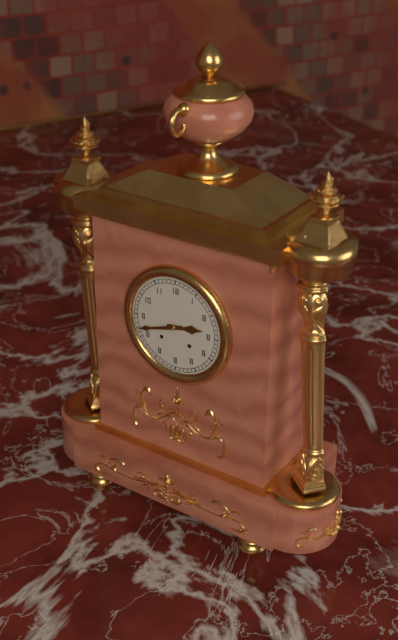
2:42
